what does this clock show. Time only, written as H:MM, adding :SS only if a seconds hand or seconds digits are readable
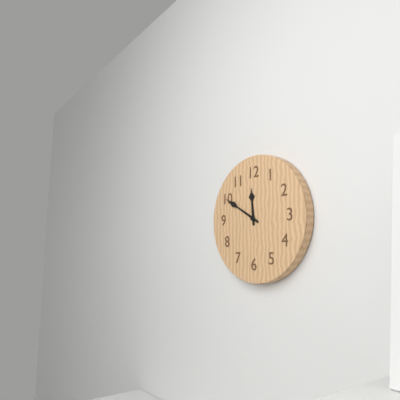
11:50
